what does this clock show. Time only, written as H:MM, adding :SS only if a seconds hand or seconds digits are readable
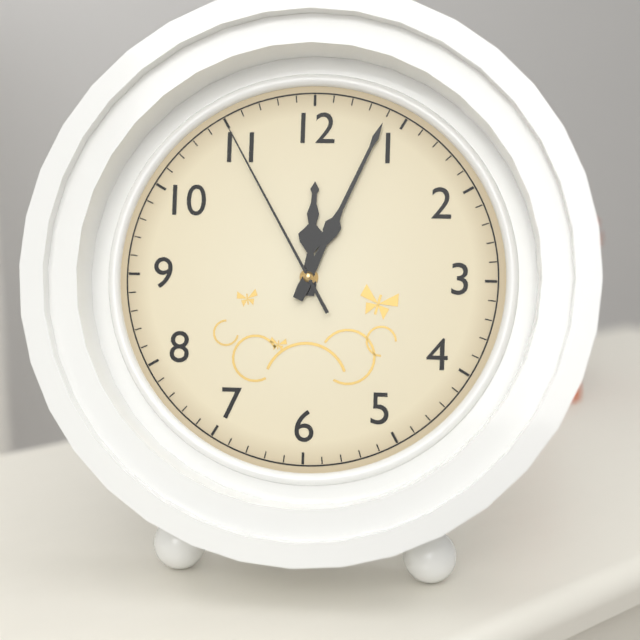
12:04:55
